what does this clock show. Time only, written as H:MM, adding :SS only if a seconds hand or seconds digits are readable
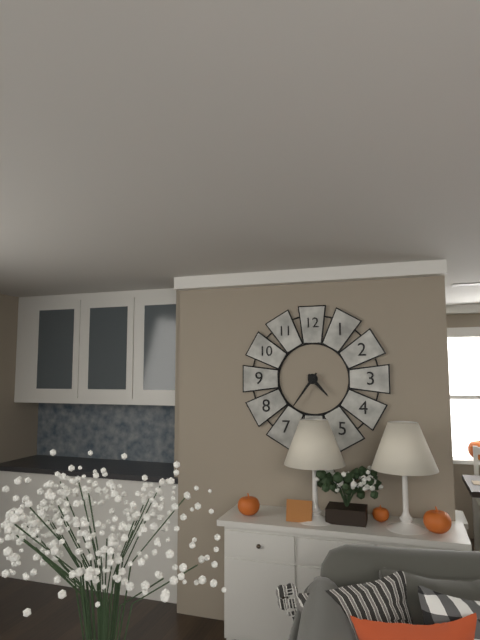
4:36
